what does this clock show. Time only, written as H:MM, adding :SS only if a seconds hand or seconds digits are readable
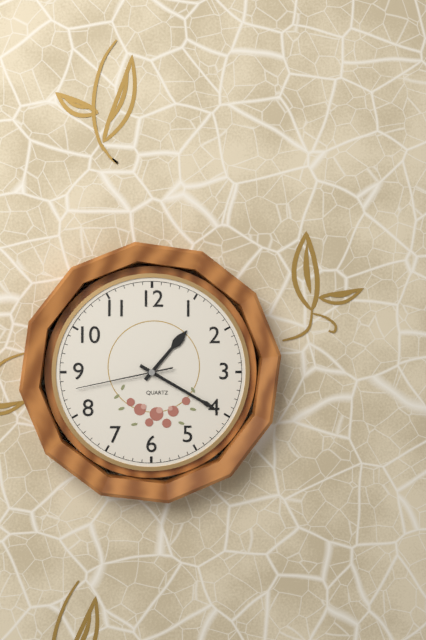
1:20:43
